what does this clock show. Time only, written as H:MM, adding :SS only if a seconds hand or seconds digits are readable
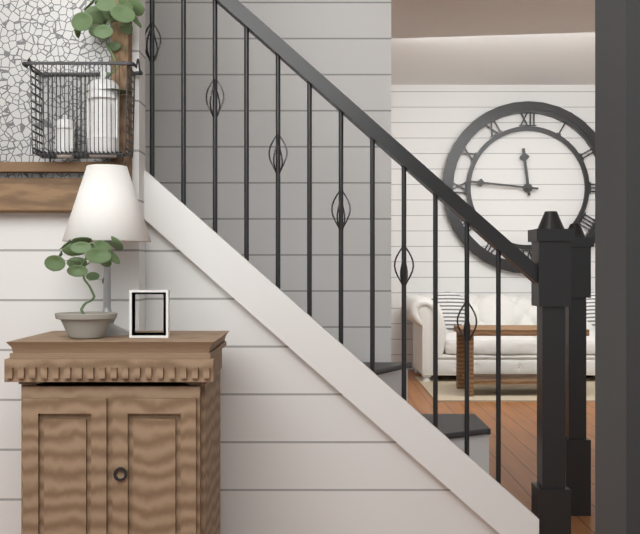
11:46
